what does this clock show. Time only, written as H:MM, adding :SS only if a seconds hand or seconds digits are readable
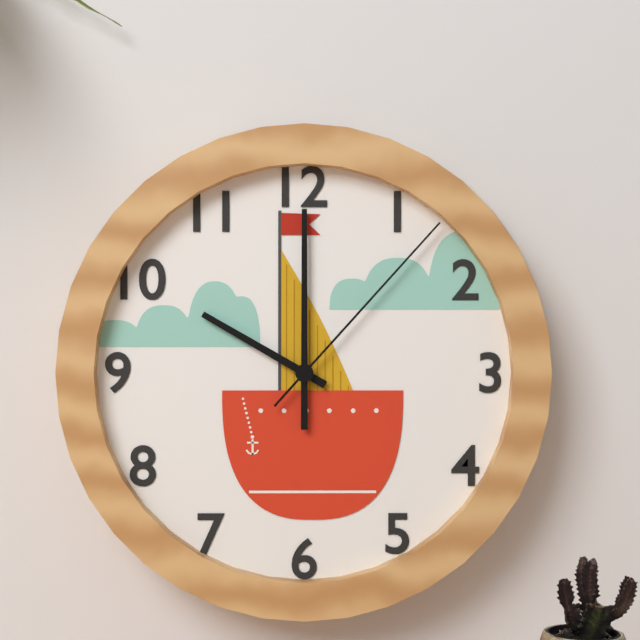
10:00:07
